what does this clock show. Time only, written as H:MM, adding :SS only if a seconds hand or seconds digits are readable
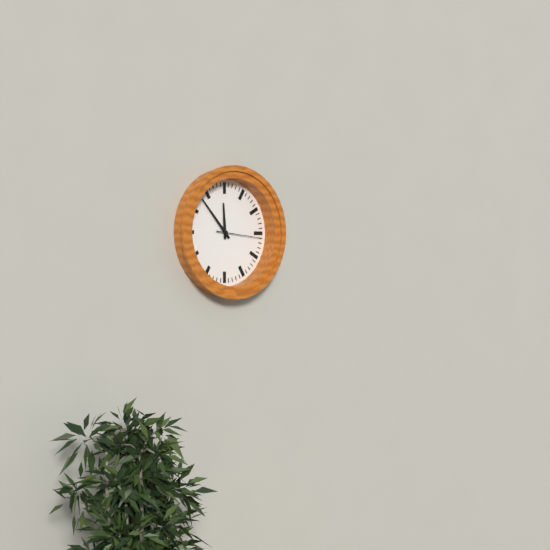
11:53
